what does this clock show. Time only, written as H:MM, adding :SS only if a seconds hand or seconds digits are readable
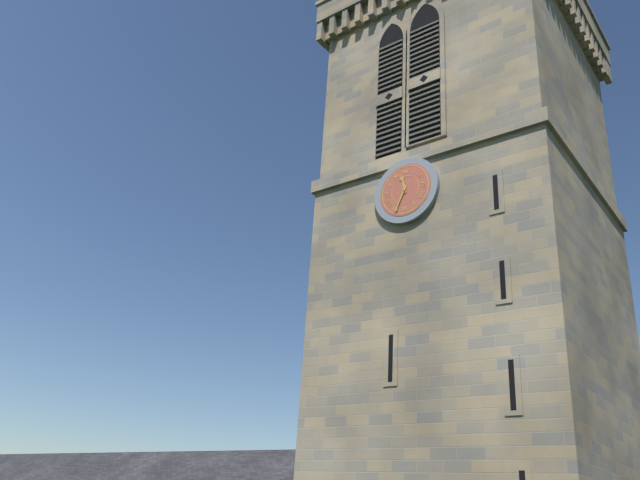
11:34
